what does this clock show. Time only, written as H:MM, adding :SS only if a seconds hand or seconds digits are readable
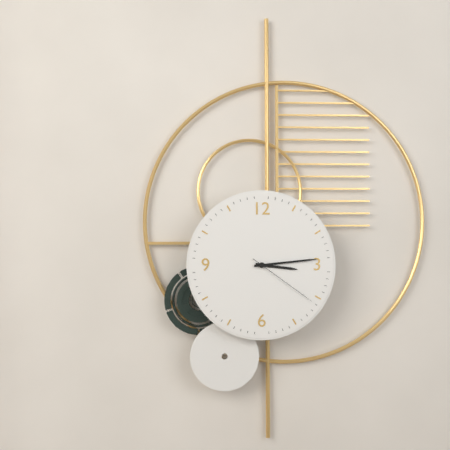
3:14:21
